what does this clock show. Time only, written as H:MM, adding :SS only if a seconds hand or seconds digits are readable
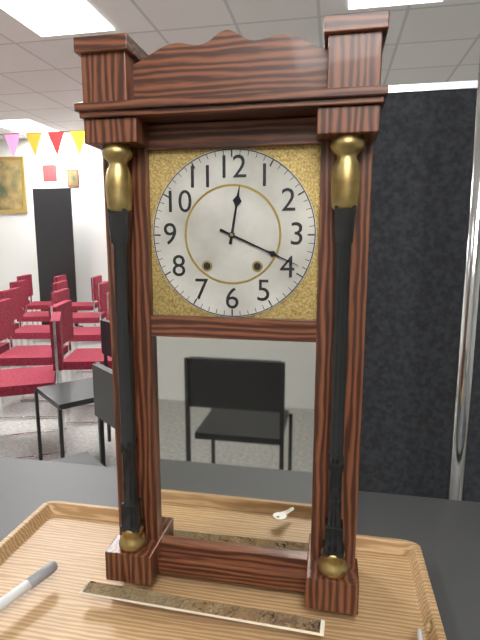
12:19
